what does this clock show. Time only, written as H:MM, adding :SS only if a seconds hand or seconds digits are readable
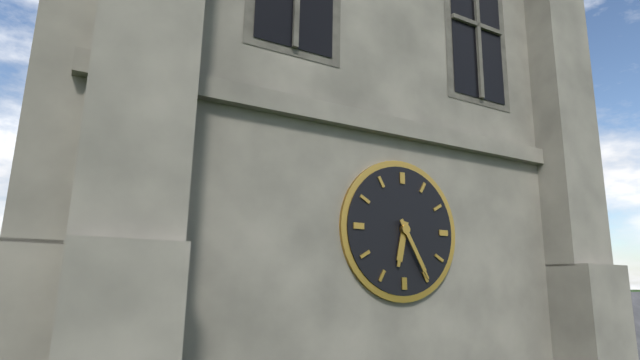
6:25
